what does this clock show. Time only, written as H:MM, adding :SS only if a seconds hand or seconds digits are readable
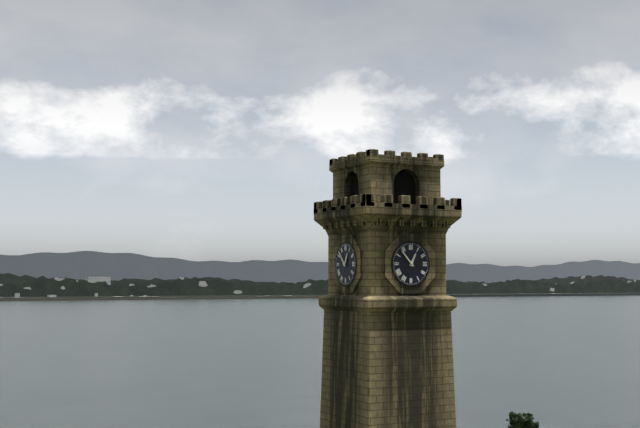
12:53
